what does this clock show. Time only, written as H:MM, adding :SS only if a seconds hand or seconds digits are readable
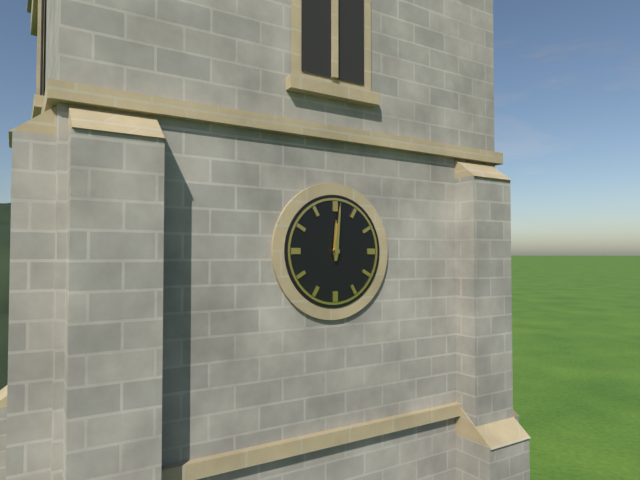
12:01
